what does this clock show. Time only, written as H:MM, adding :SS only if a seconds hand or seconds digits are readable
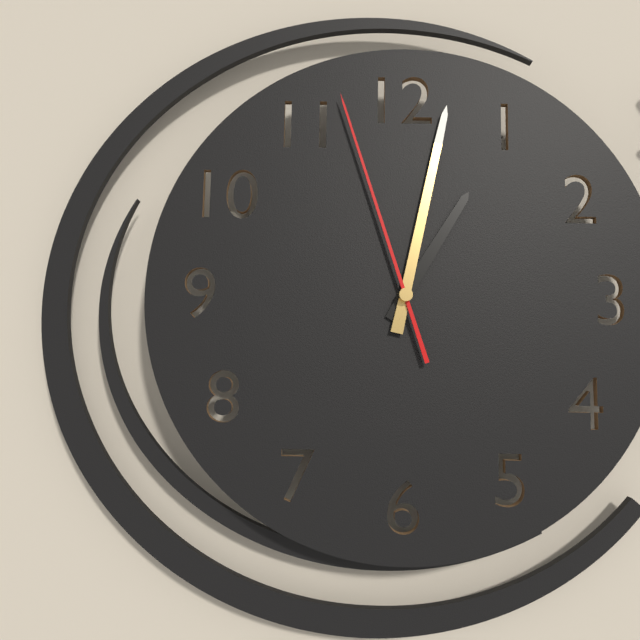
1:02:57
